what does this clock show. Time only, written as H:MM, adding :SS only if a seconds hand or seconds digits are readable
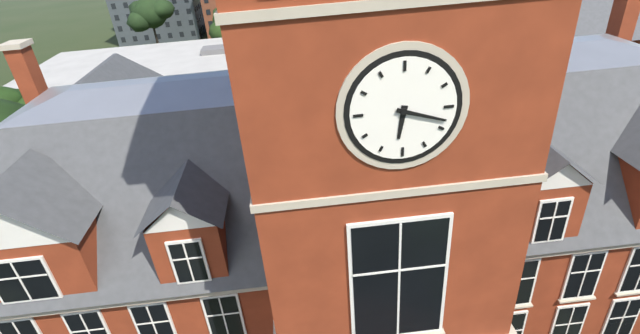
6:18
